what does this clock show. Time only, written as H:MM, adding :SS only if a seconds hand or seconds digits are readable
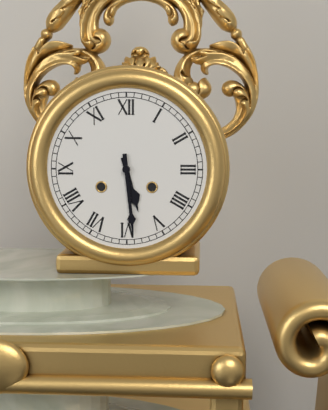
5:29
